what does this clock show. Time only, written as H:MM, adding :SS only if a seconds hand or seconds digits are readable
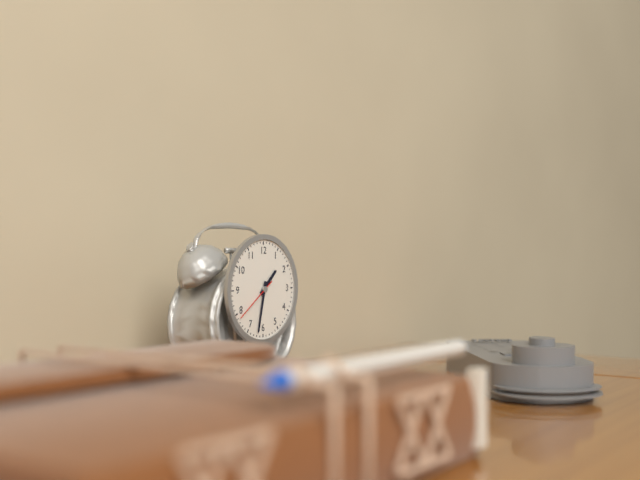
1:32
